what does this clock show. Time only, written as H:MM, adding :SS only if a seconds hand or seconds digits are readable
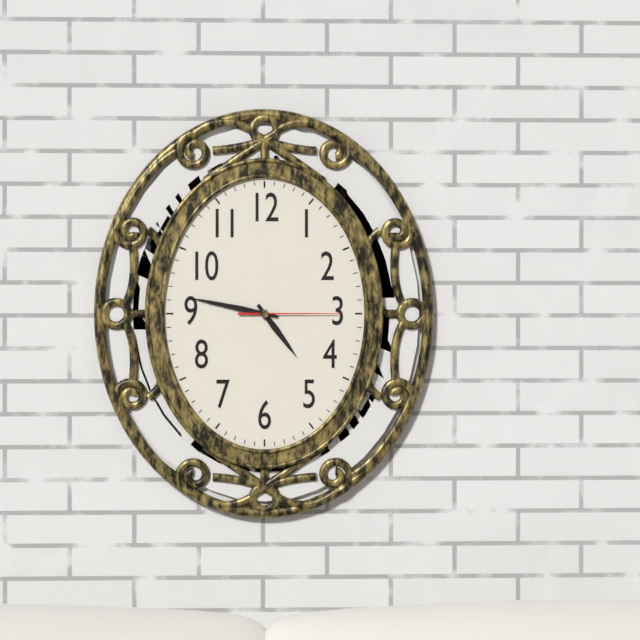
4:47:15
